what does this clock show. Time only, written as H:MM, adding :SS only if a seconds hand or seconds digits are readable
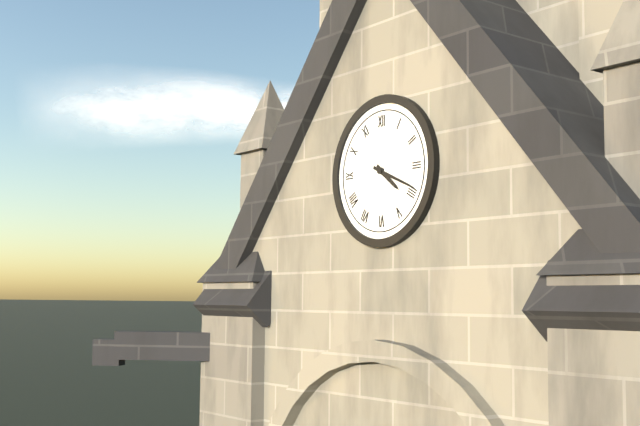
4:19
